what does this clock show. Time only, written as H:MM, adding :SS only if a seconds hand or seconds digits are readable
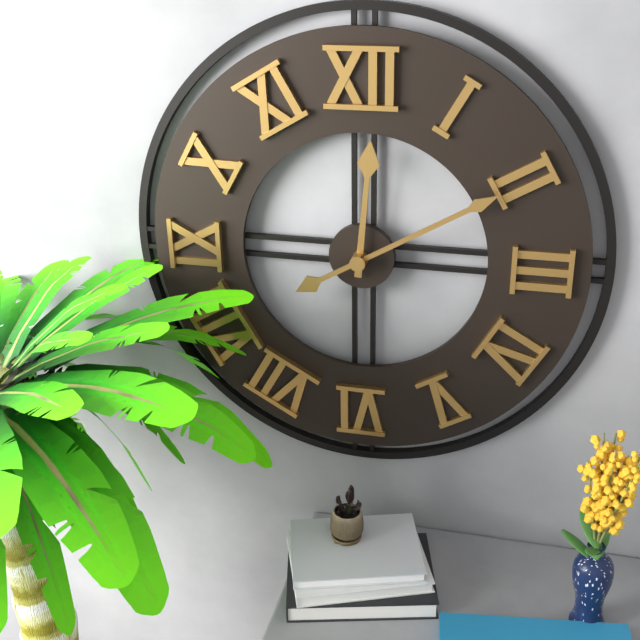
12:10
